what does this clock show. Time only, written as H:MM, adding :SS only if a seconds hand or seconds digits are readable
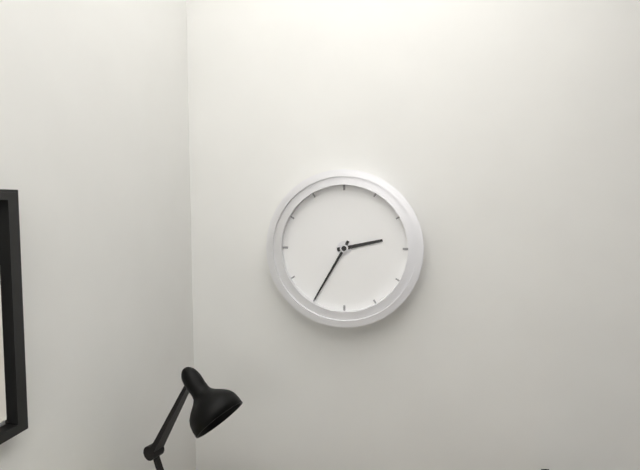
2:35
